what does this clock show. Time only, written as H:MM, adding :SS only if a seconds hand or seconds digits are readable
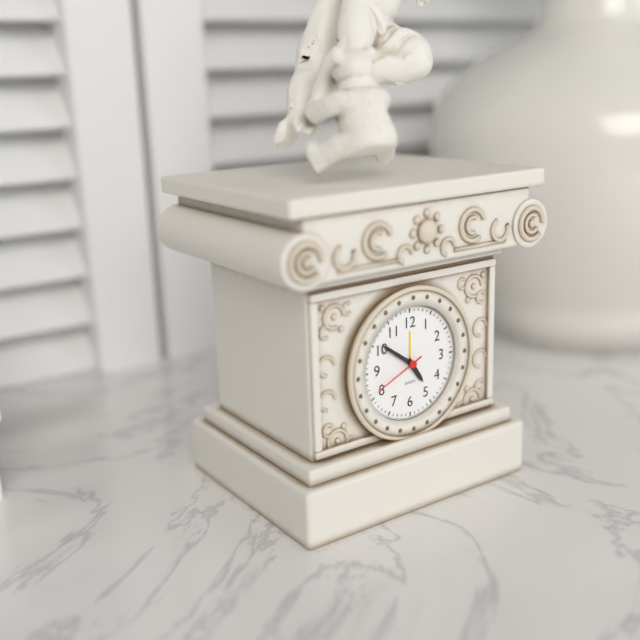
4:51:41
